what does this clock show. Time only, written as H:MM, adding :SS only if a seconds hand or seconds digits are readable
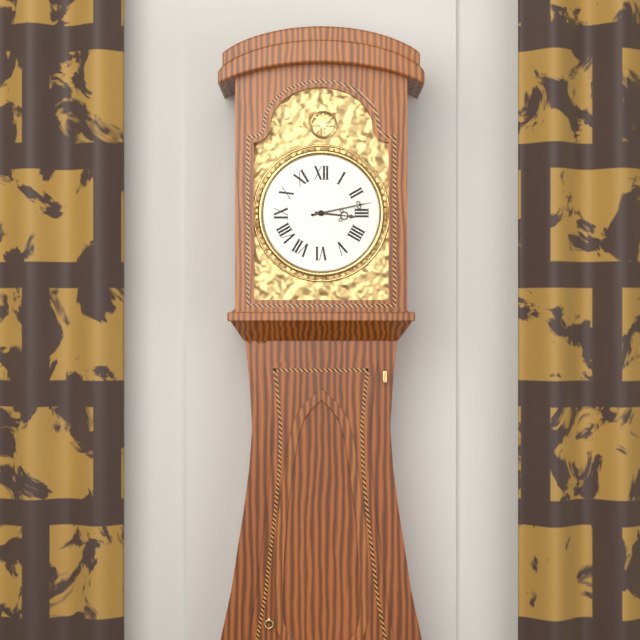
3:13
